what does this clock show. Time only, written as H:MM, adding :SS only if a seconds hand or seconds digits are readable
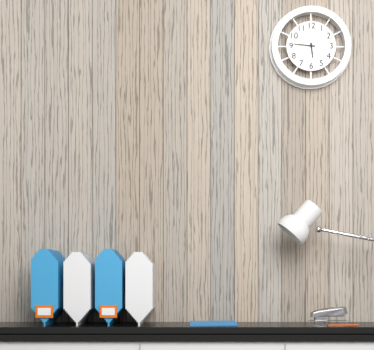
5:46
